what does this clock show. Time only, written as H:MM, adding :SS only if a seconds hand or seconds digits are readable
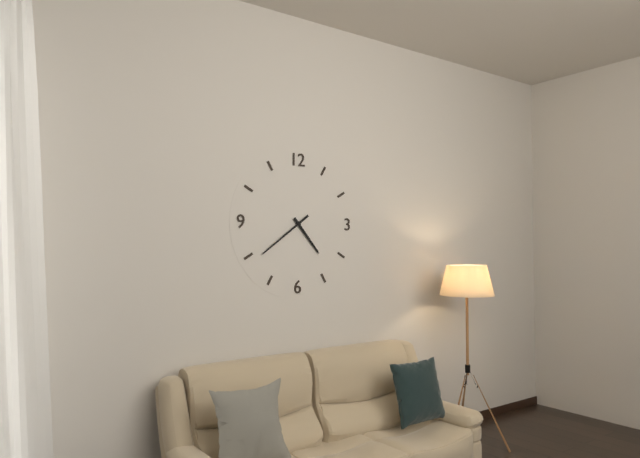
4:39
